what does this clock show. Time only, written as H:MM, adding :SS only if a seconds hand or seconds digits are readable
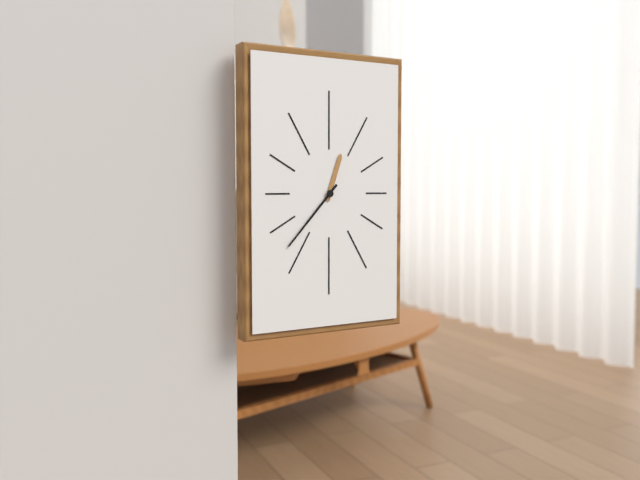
12:37
